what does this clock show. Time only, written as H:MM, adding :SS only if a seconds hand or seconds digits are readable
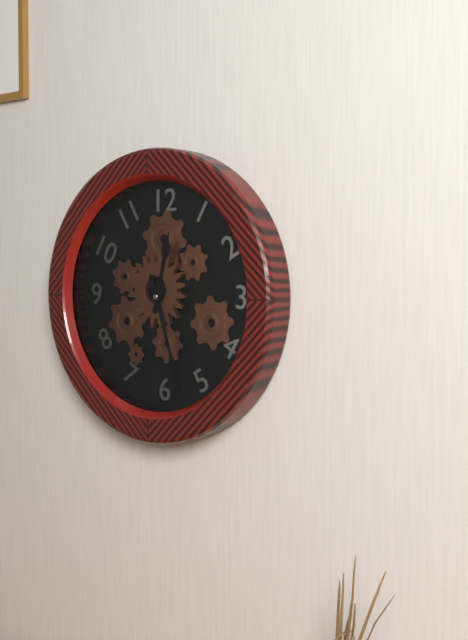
12:27
